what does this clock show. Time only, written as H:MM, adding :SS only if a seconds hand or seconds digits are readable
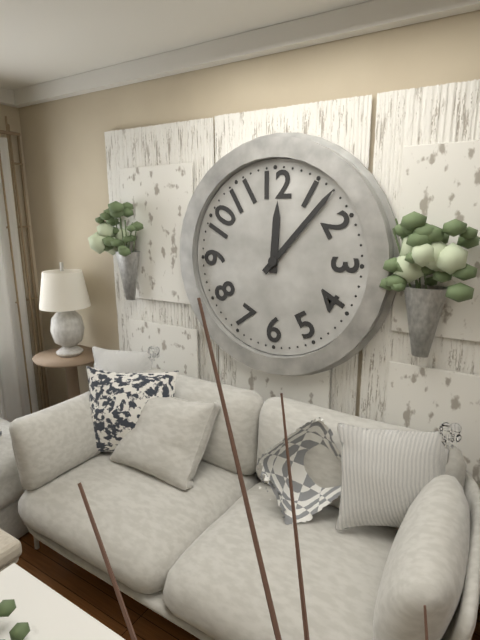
12:07
